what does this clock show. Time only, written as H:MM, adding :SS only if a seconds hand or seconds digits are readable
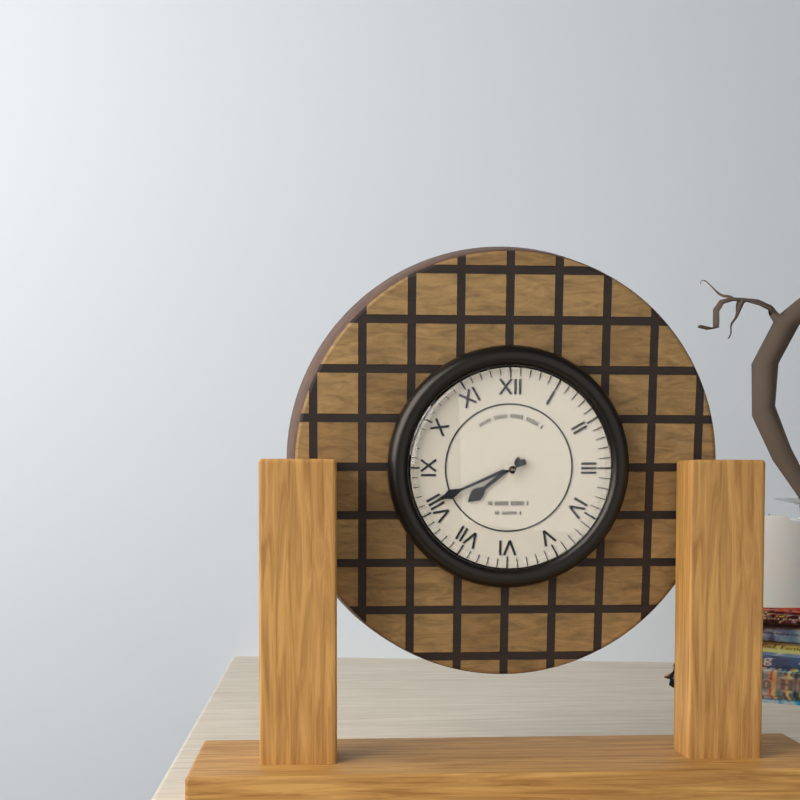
7:41
